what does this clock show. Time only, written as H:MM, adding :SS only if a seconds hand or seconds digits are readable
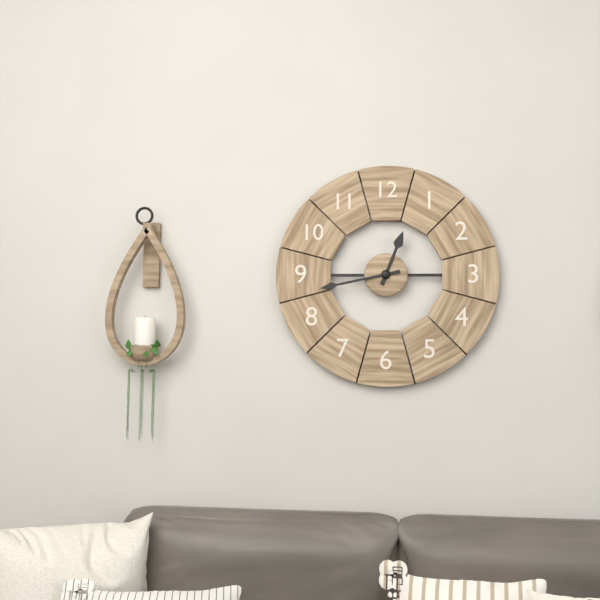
12:43
